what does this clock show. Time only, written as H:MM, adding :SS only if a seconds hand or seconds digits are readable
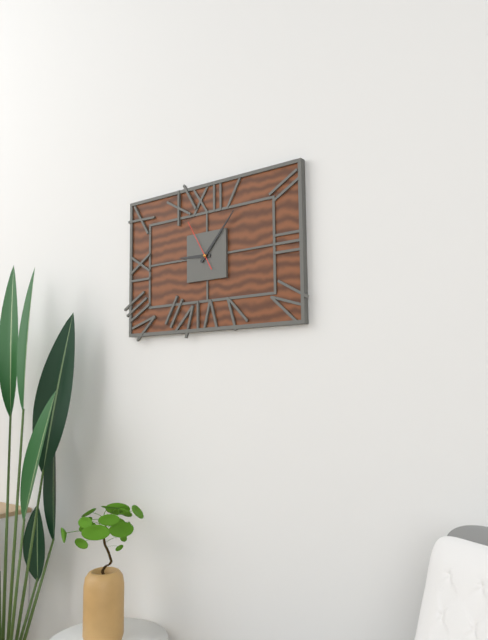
9:07:55
